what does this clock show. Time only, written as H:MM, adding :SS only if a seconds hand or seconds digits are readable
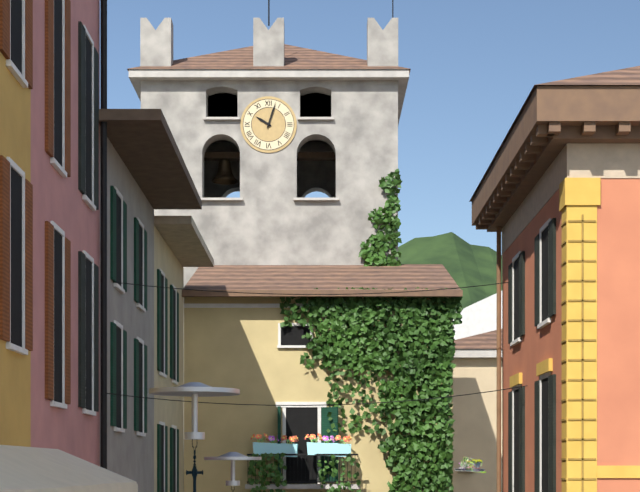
10:03
